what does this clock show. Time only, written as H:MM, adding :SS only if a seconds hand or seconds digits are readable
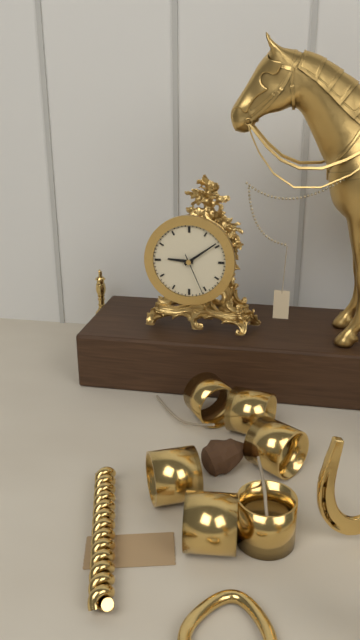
9:09
